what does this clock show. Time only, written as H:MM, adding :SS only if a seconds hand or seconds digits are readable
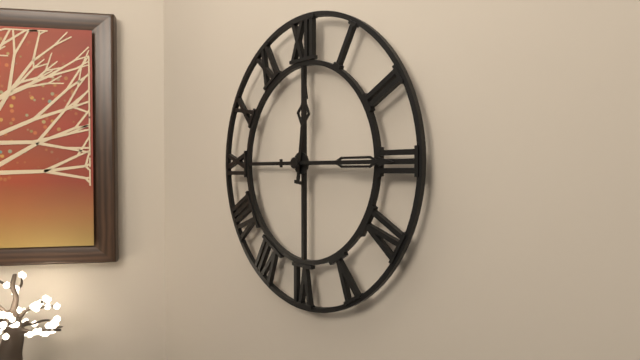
12:15
